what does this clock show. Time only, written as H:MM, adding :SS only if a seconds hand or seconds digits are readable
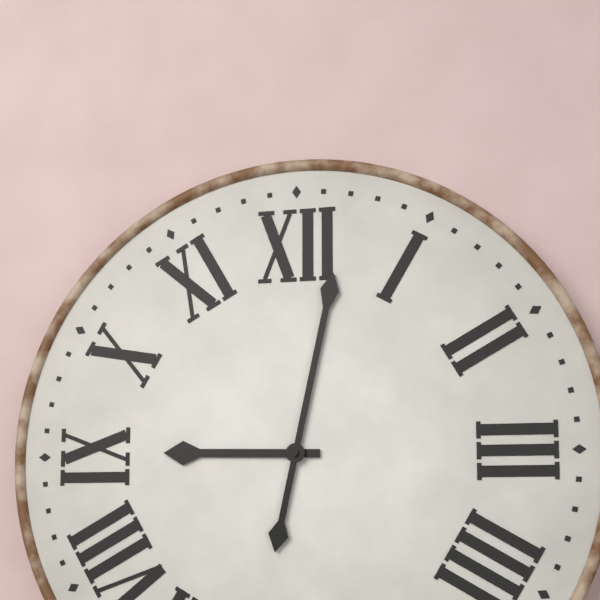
9:02
